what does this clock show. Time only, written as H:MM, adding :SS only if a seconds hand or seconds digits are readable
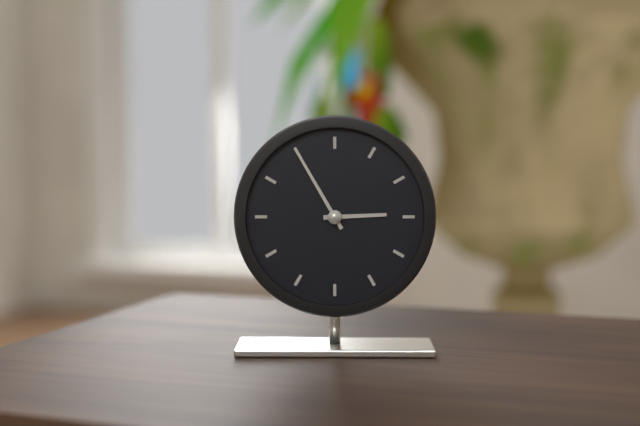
2:55
